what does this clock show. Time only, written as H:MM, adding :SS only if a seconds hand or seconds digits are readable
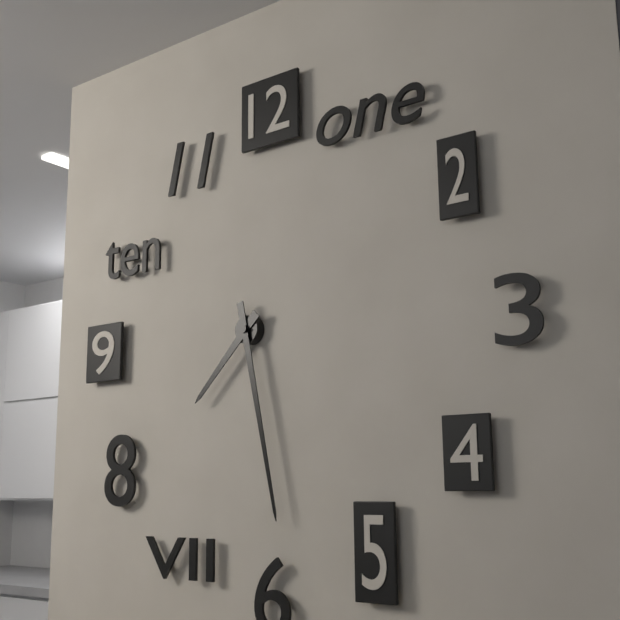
7:28
